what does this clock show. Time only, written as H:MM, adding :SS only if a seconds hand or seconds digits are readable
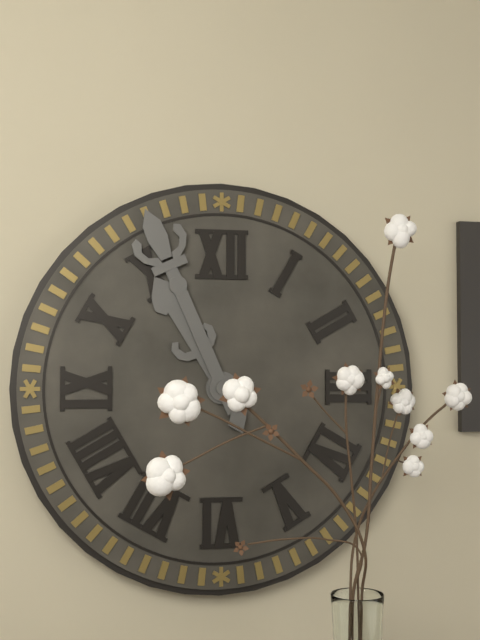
10:56
